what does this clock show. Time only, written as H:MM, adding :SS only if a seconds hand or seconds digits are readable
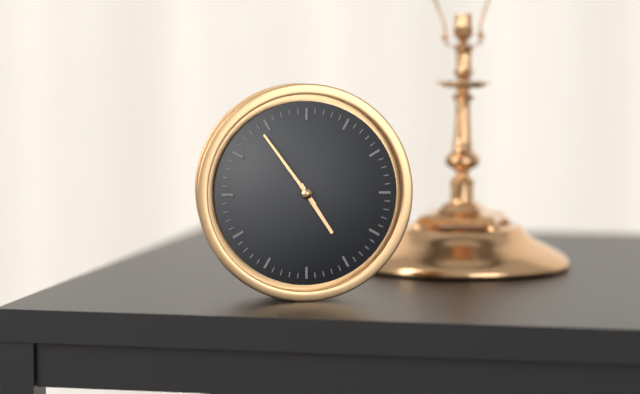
4:54
